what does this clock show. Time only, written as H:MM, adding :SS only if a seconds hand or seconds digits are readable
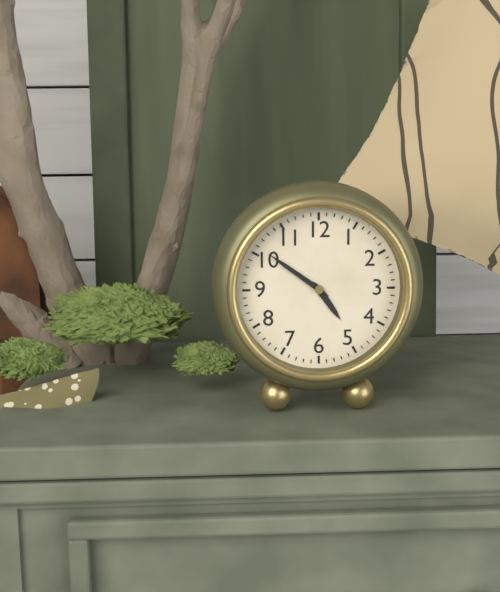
4:51
